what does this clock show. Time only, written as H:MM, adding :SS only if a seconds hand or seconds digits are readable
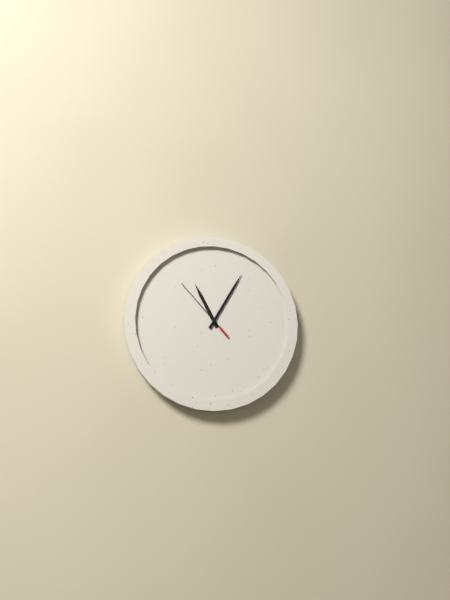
11:05:53
